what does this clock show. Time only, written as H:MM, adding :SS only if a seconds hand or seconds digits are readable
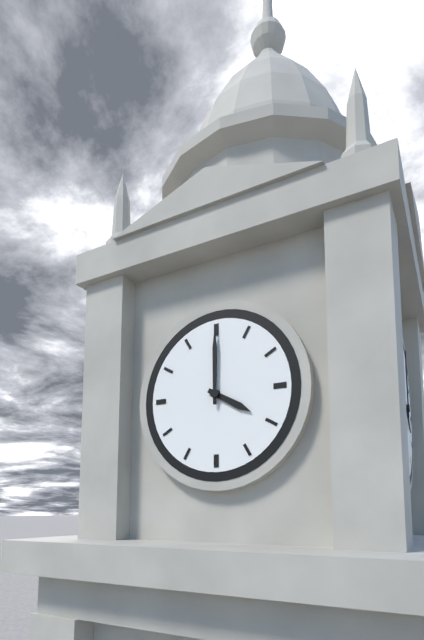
4:00
